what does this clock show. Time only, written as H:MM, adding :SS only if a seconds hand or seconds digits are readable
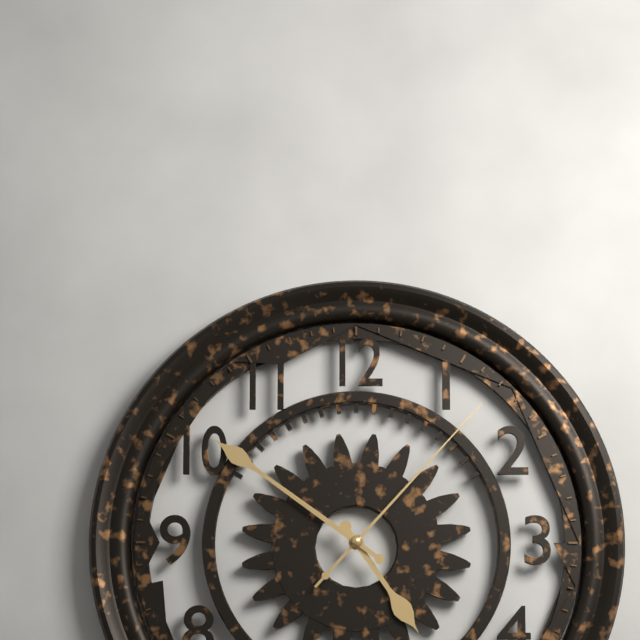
4:51:07
